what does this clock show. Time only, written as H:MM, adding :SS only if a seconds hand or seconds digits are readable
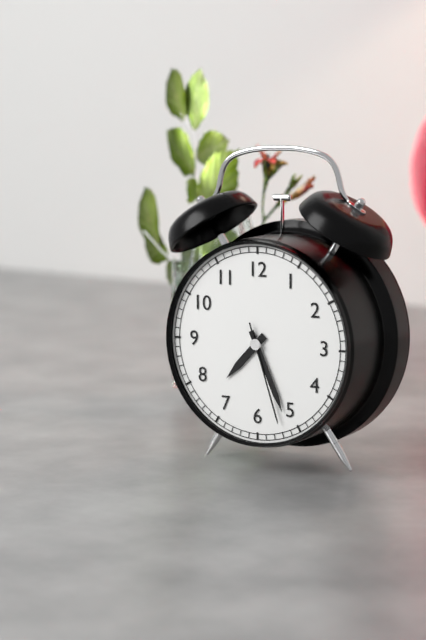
7:26:27
